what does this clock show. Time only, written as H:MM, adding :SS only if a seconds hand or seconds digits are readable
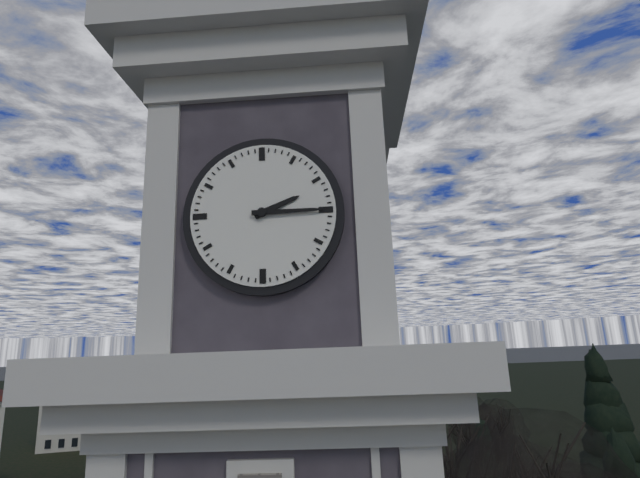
2:15
